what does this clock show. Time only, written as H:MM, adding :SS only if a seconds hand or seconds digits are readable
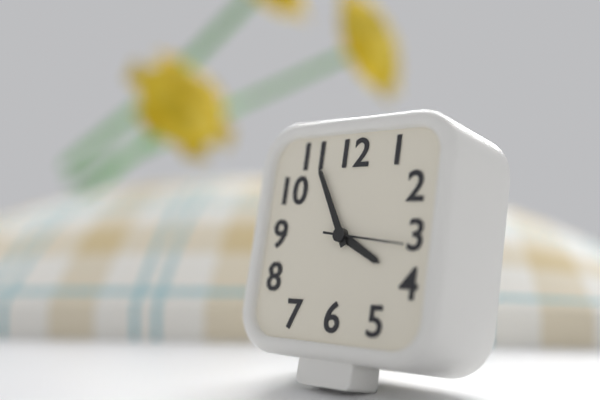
3:55:16
